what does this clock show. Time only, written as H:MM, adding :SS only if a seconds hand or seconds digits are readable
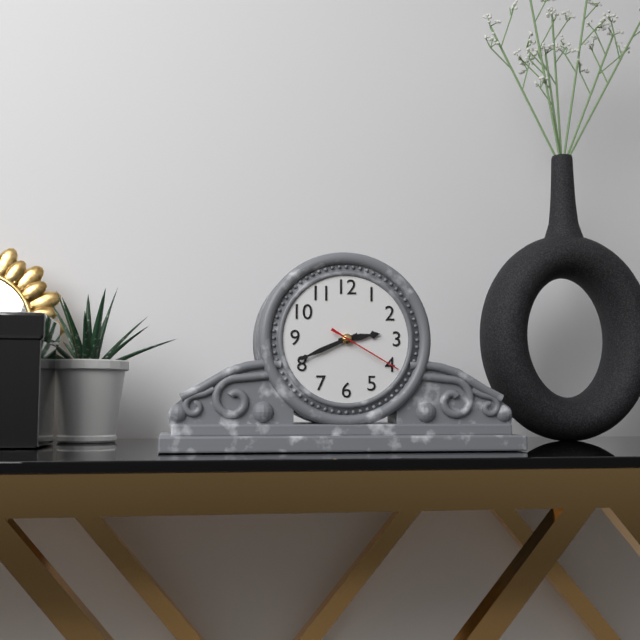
2:41:20
